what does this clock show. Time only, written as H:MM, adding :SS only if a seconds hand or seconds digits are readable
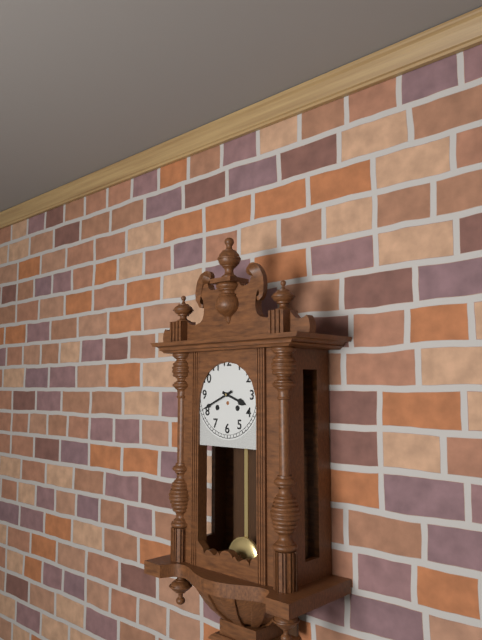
3:41
